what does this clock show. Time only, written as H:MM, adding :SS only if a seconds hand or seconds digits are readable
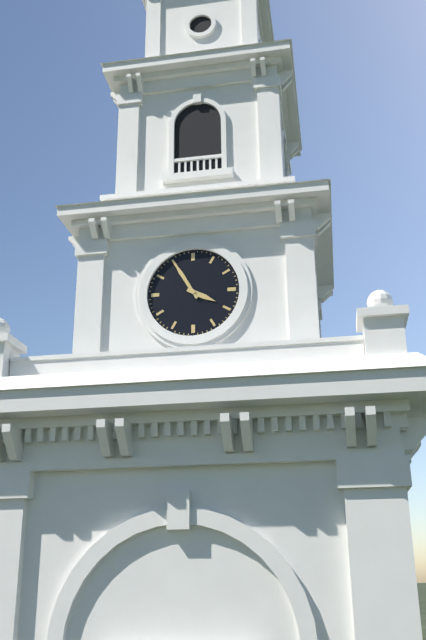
3:55
